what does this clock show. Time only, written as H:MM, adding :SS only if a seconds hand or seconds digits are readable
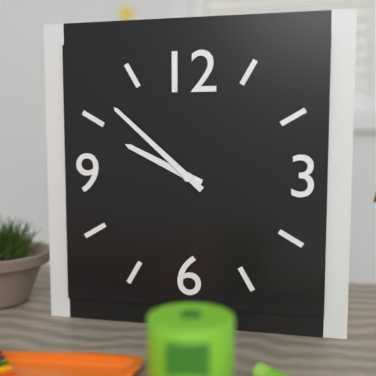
9:52
